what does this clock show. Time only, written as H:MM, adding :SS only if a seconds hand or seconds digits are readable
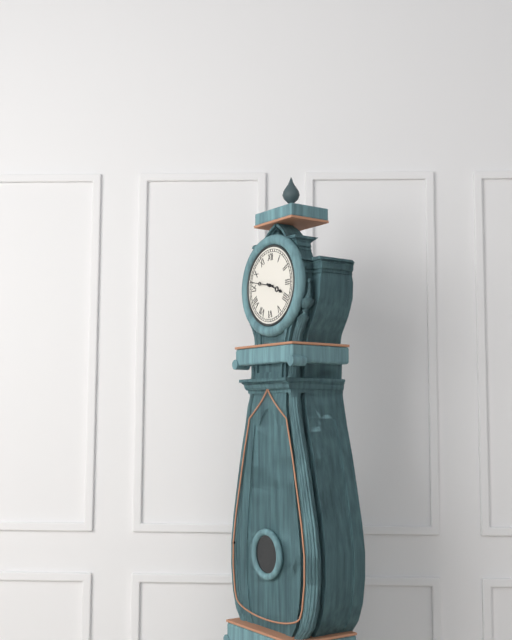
3:47
